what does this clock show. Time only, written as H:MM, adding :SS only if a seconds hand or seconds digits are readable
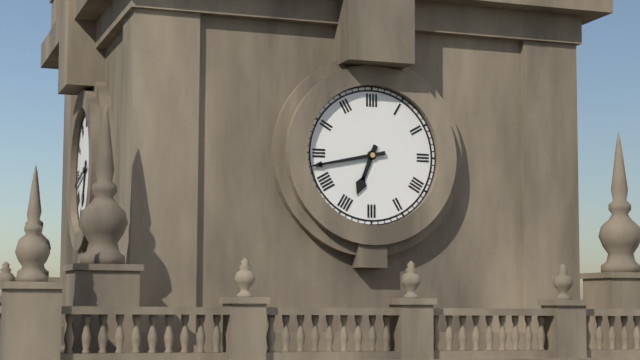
6:43
